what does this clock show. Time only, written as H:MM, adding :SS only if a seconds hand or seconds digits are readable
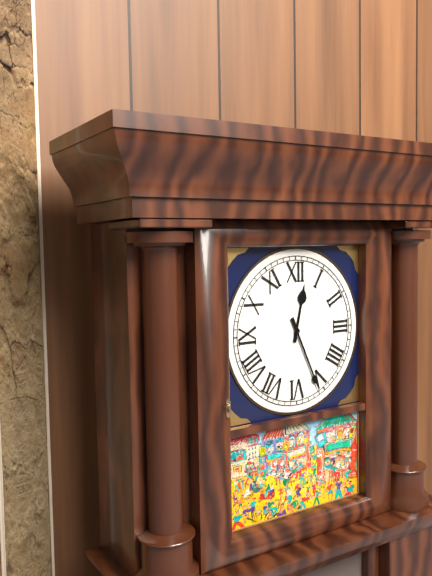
12:26
